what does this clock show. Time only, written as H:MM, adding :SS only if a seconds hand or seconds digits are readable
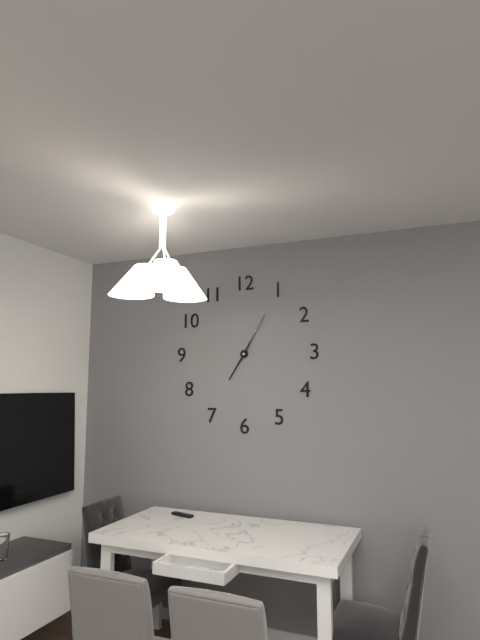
7:05
